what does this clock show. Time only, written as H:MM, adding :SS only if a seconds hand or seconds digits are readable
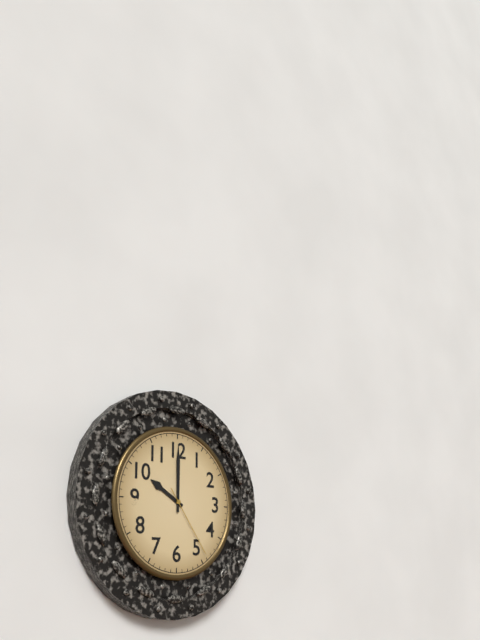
10:00:24
